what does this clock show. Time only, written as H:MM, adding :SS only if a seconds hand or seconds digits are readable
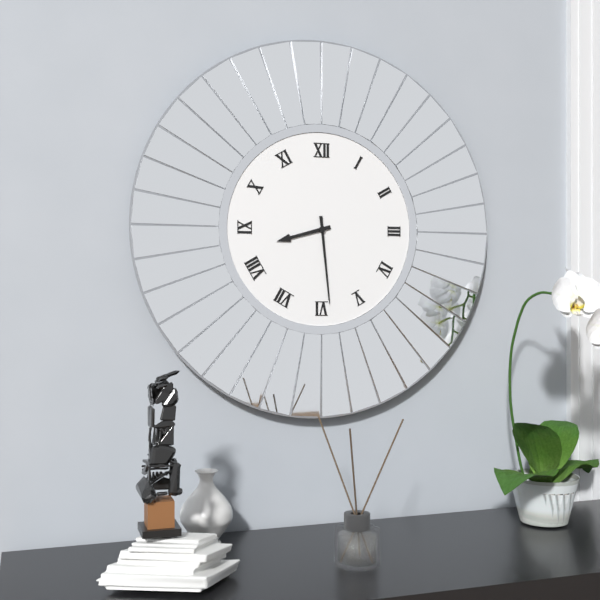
8:29
